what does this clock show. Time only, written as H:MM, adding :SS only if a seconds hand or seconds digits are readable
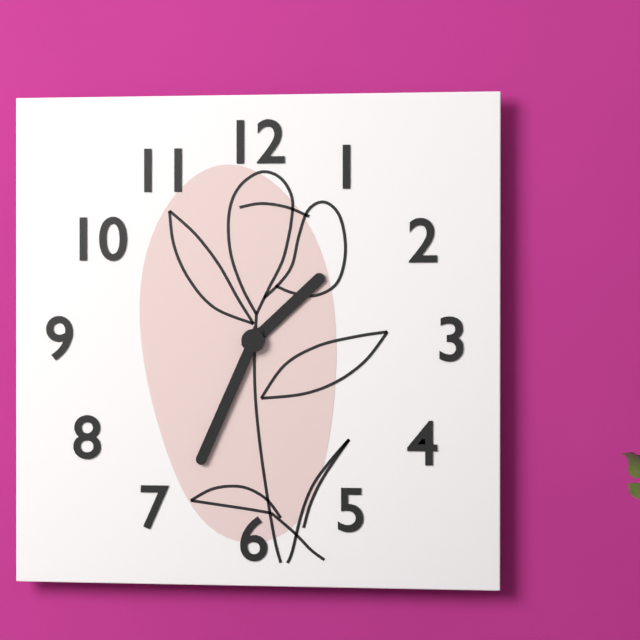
1:34
